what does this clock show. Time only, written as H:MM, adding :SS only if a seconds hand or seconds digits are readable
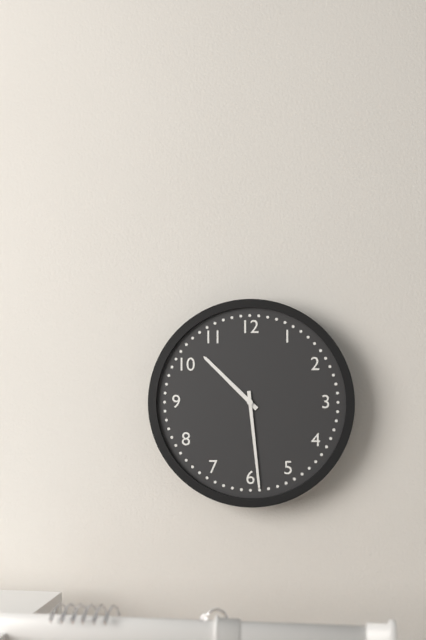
10:29
